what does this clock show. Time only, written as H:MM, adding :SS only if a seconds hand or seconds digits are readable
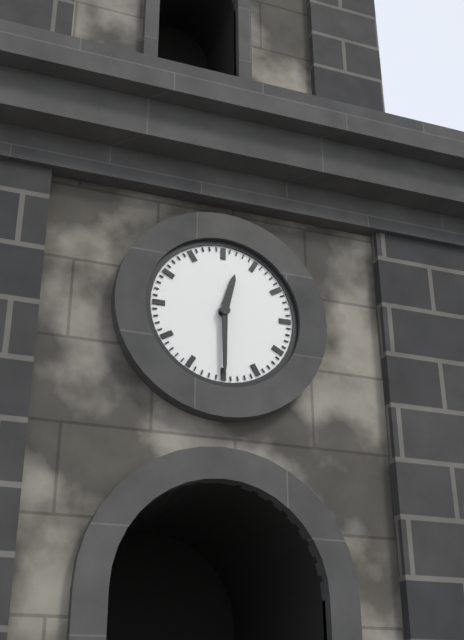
12:30
